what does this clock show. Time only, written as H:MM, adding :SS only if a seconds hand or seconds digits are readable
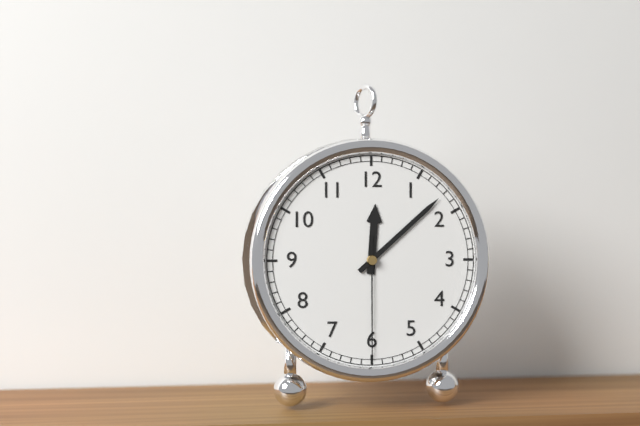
12:08:30
